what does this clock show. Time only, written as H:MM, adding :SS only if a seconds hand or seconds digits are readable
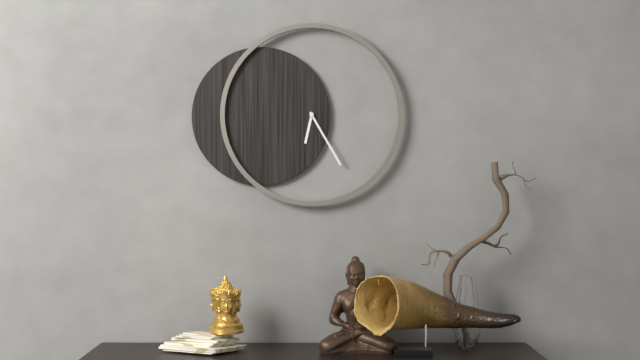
6:25
